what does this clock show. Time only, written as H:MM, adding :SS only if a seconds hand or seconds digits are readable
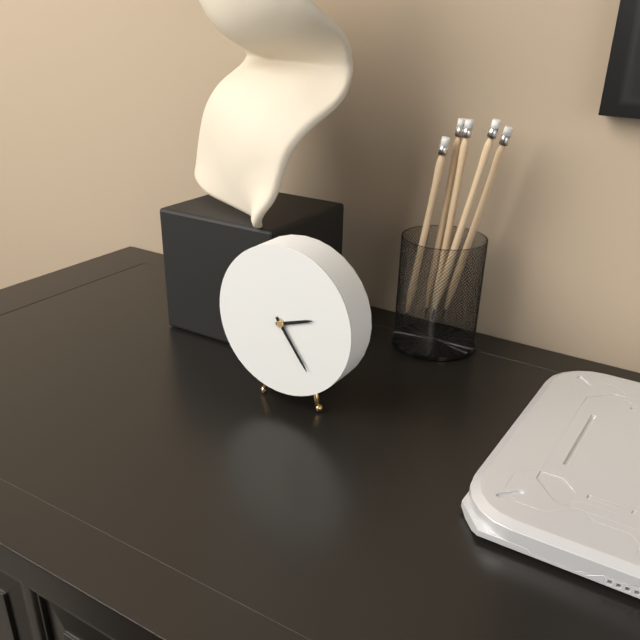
2:24
